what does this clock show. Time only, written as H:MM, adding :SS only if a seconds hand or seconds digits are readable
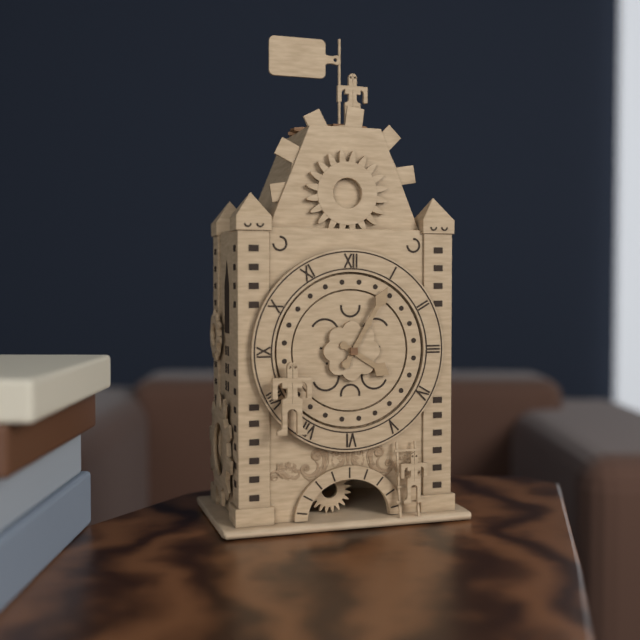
4:05
